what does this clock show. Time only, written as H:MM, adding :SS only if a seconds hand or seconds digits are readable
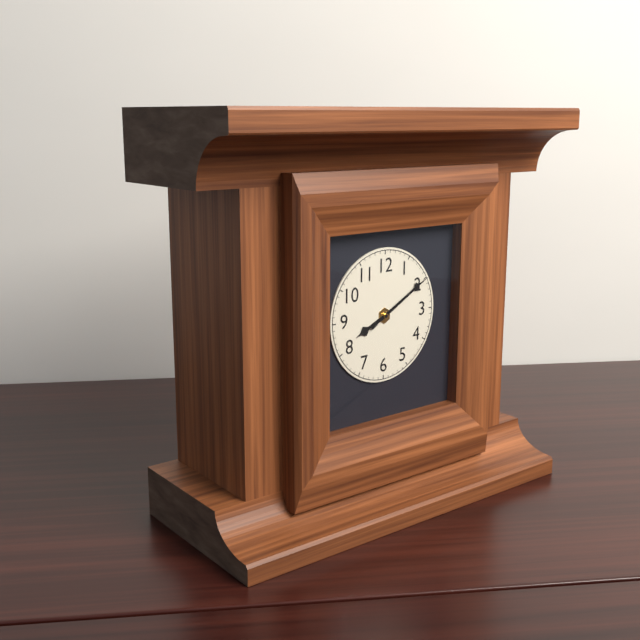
8:10:10
